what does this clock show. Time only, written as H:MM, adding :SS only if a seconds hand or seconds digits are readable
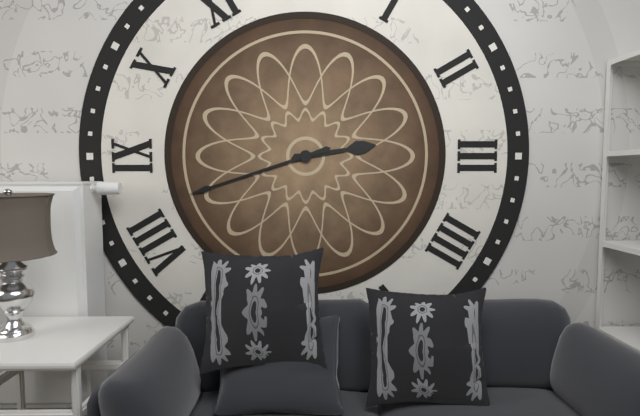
2:42
